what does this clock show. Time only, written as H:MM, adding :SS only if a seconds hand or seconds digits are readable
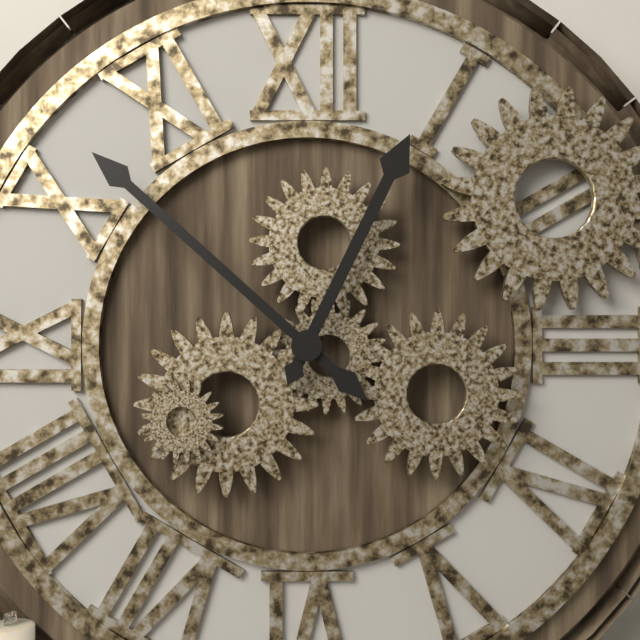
12:52
